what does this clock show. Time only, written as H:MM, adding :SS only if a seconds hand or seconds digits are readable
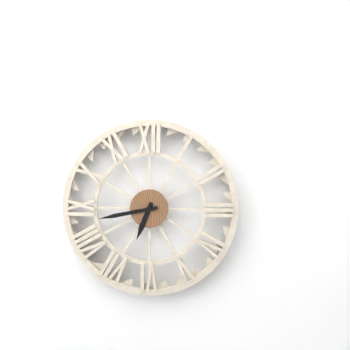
6:43
